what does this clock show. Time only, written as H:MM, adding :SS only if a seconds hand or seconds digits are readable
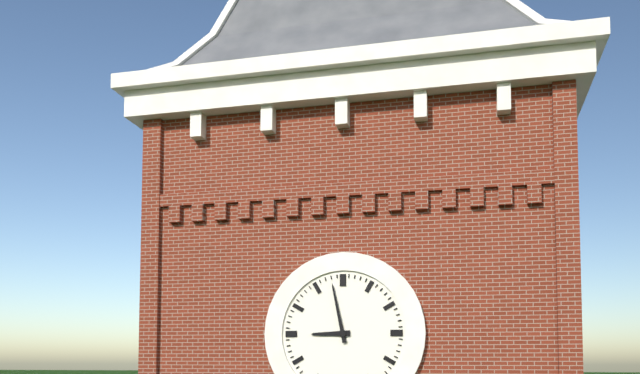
8:58
